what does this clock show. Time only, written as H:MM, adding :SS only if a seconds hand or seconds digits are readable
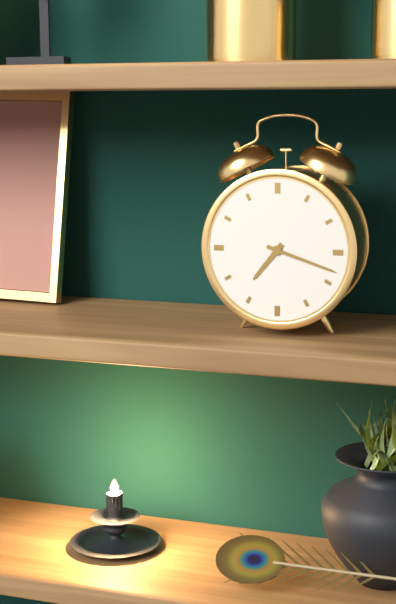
7:18
